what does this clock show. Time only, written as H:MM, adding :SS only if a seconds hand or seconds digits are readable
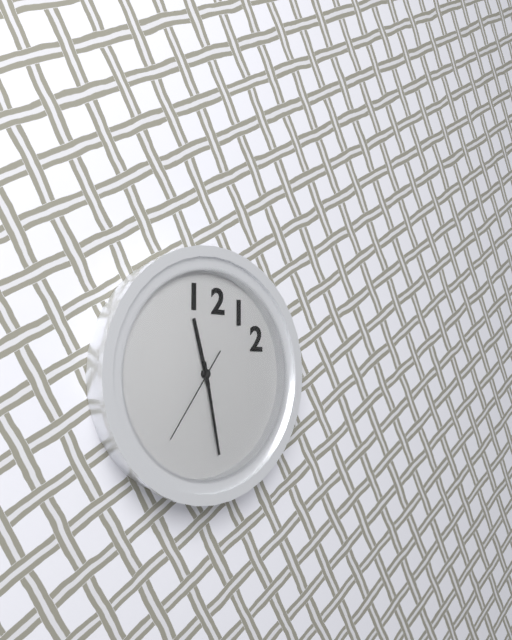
11:28:36
